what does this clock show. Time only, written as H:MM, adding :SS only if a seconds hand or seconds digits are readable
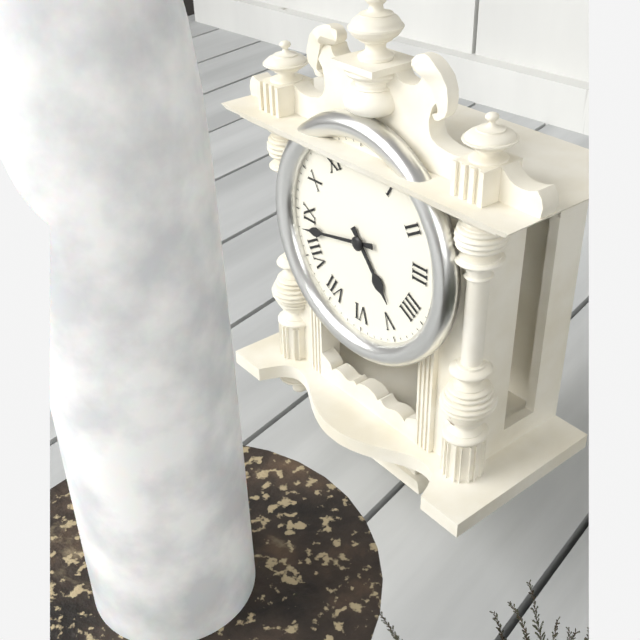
4:43
